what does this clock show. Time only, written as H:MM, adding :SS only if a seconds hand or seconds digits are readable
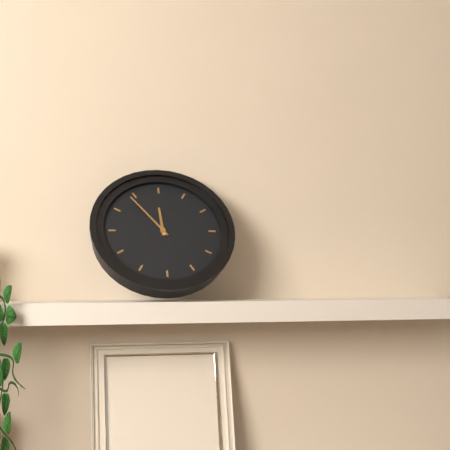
11:54
